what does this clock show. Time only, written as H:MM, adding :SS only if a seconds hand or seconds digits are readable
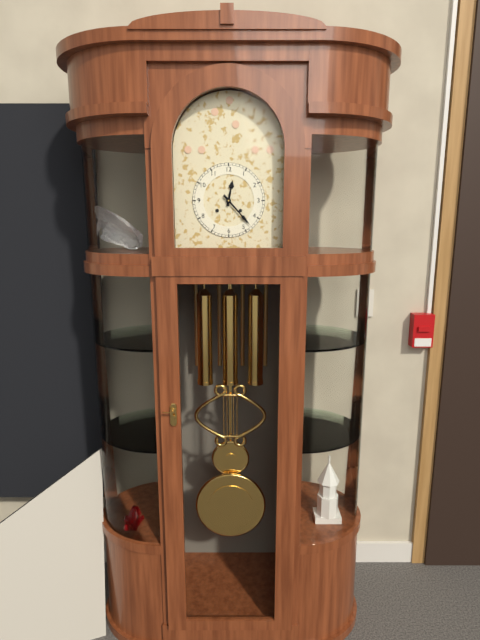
12:23
